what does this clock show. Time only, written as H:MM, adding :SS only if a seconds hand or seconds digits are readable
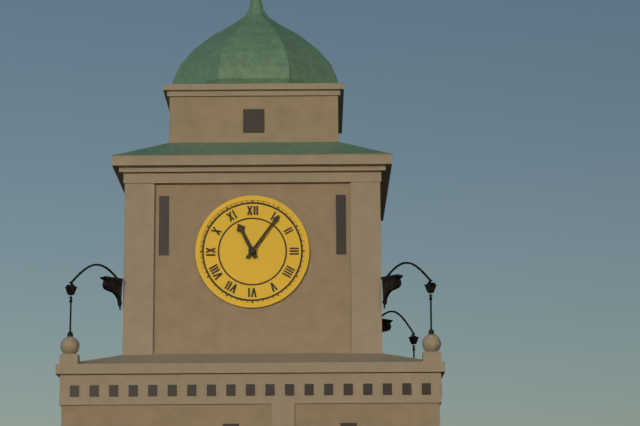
11:06
